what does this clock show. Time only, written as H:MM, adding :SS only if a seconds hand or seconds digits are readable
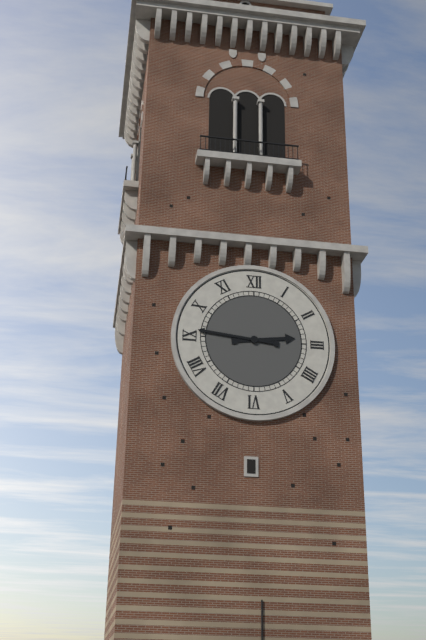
2:46
